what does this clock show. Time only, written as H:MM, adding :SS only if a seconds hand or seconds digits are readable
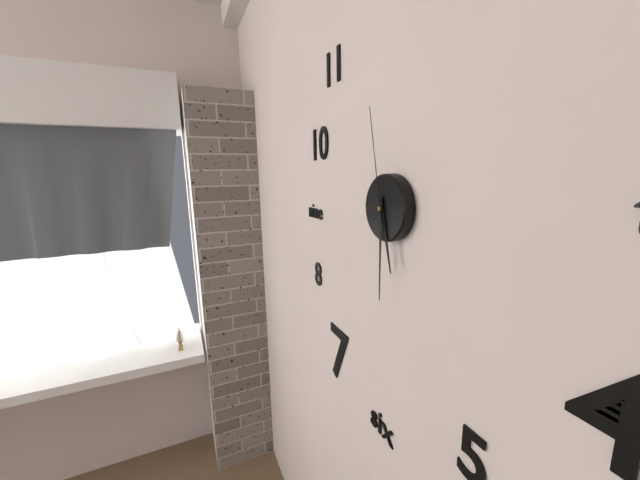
5:30:58
